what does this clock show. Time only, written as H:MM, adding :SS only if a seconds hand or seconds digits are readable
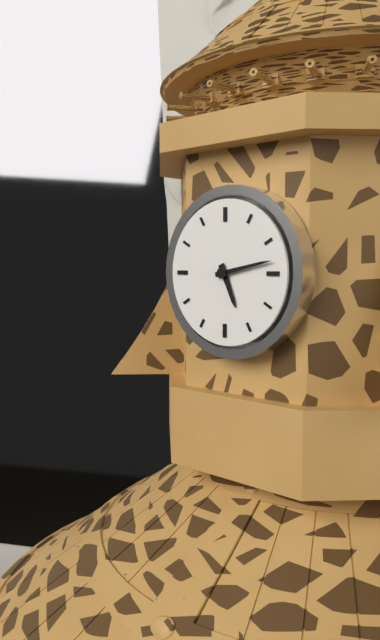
5:13
